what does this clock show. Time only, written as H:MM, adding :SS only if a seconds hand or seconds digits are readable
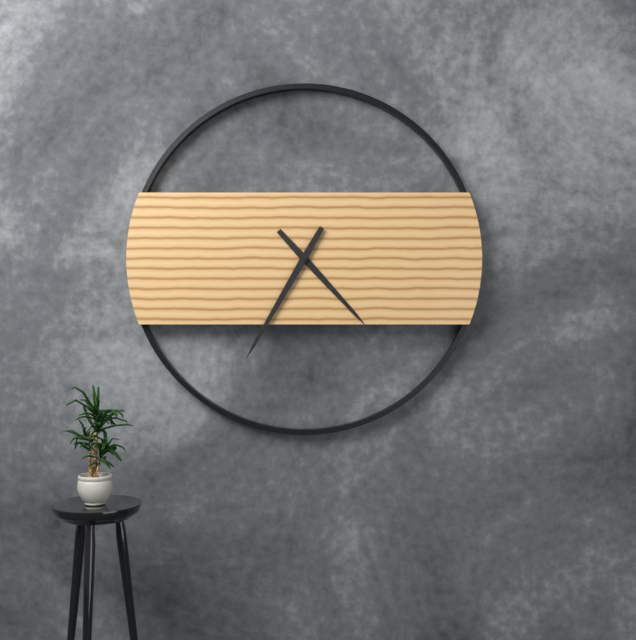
4:35
